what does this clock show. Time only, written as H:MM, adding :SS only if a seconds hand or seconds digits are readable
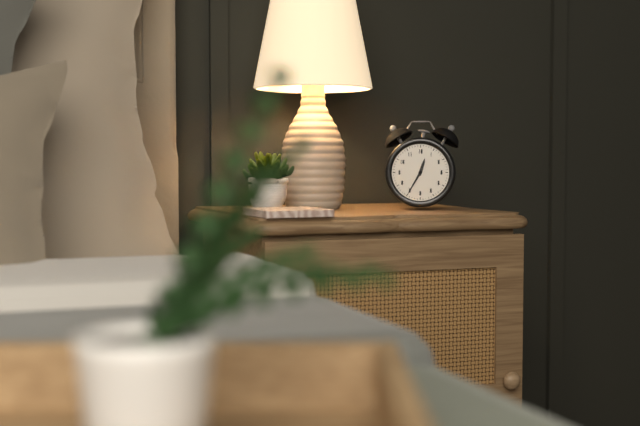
12:35
